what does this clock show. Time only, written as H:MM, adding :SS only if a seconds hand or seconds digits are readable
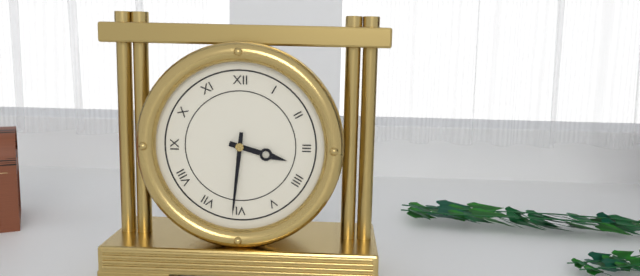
3:31
